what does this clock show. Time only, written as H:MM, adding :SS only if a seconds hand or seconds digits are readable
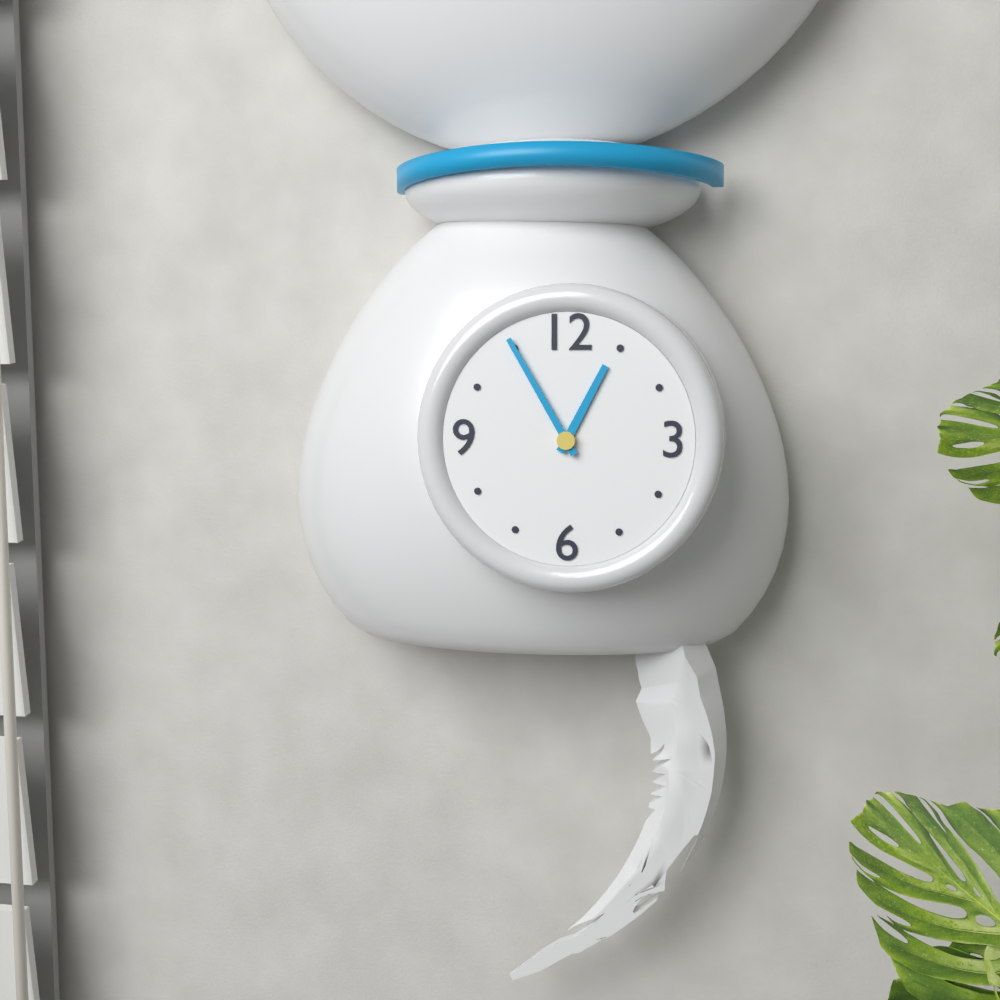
12:55
